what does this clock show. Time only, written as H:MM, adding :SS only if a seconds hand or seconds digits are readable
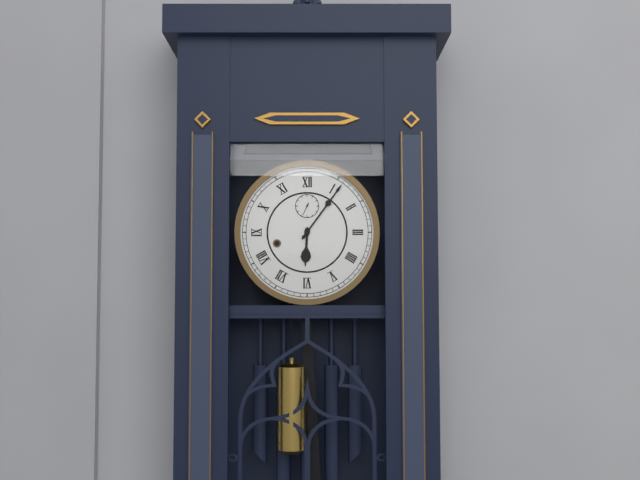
6:06
